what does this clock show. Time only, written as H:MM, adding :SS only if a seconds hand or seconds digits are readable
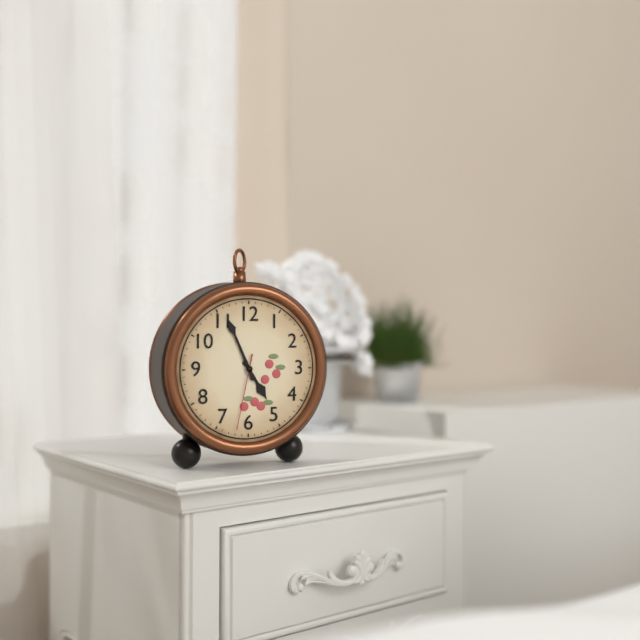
4:56:32
